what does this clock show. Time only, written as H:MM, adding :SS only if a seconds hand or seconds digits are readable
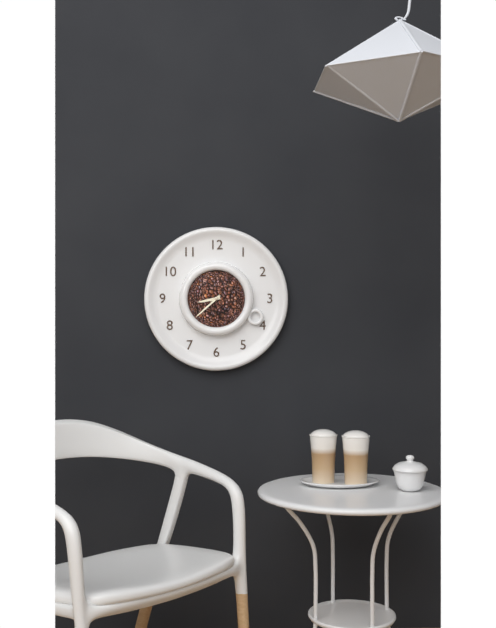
8:38
